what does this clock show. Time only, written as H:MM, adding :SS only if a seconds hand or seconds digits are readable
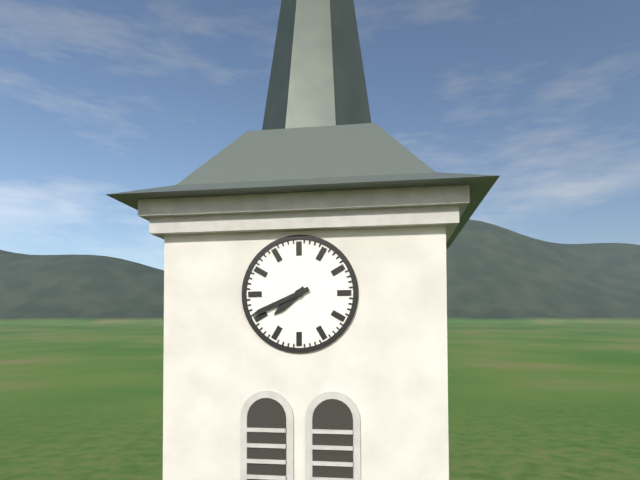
7:41
